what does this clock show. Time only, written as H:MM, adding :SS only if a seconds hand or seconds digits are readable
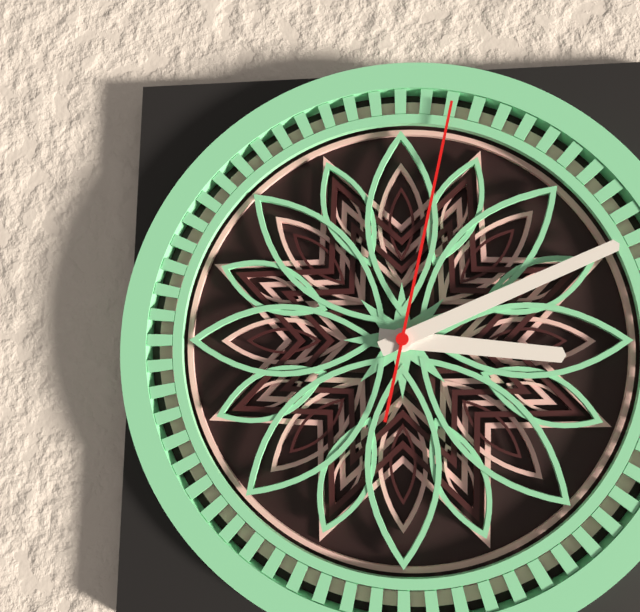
3:11:02
